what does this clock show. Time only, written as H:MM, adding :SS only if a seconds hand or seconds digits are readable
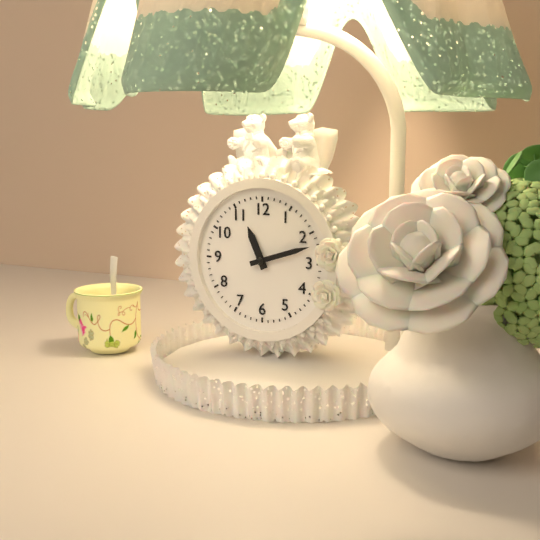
11:12
